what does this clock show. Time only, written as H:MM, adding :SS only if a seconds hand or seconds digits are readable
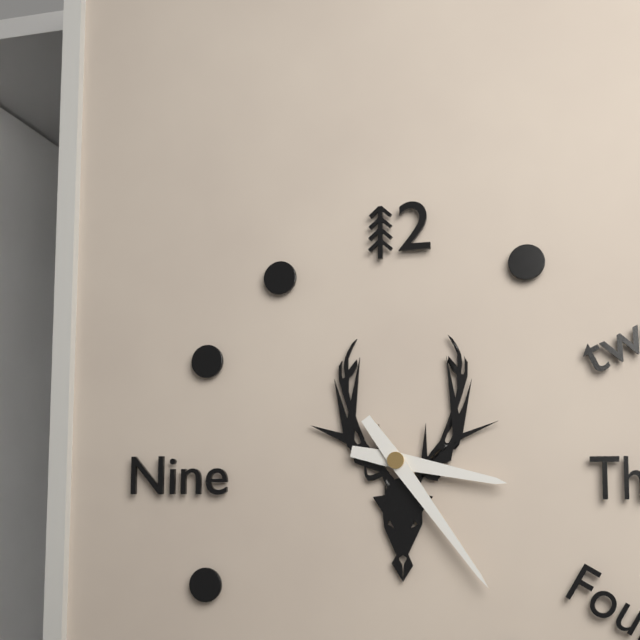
3:24
